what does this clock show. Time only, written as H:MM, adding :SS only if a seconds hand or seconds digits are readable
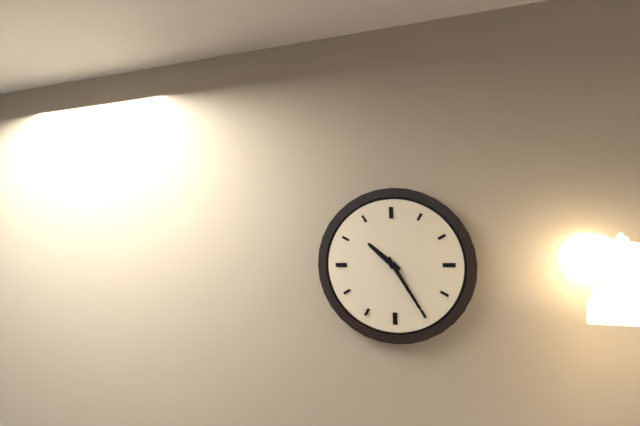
10:25
